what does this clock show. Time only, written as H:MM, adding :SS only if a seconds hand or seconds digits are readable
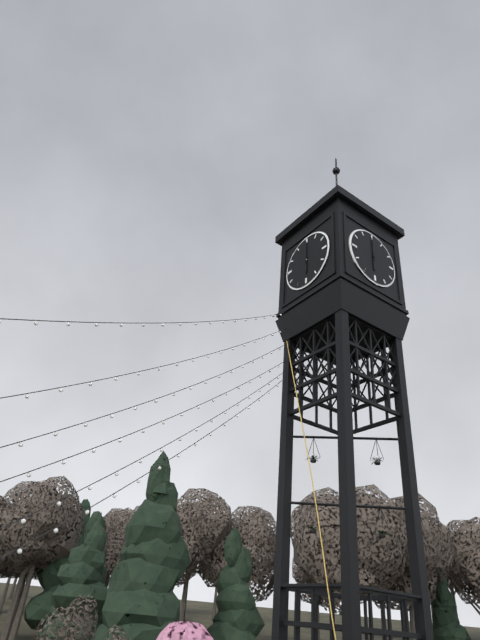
6:00
